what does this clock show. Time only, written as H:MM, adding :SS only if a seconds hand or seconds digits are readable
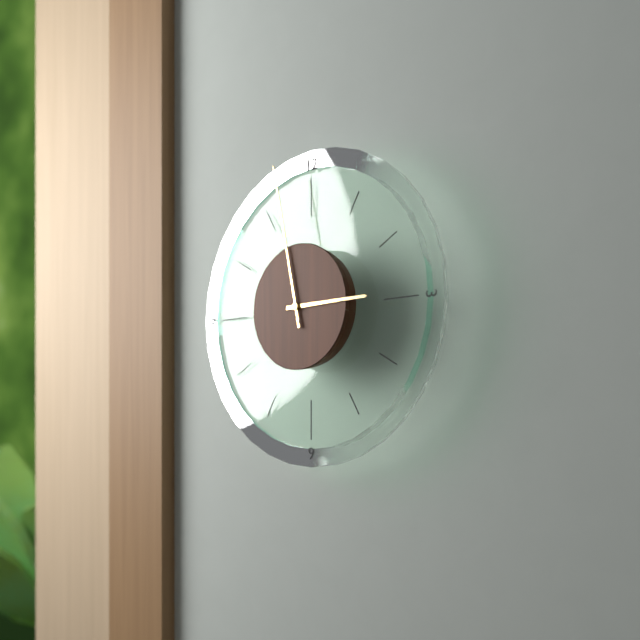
2:58
